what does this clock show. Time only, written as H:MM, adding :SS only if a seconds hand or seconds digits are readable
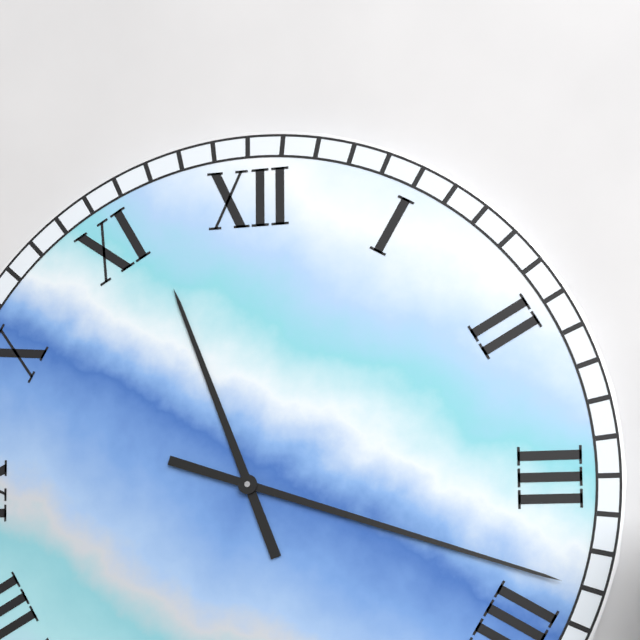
11:18
